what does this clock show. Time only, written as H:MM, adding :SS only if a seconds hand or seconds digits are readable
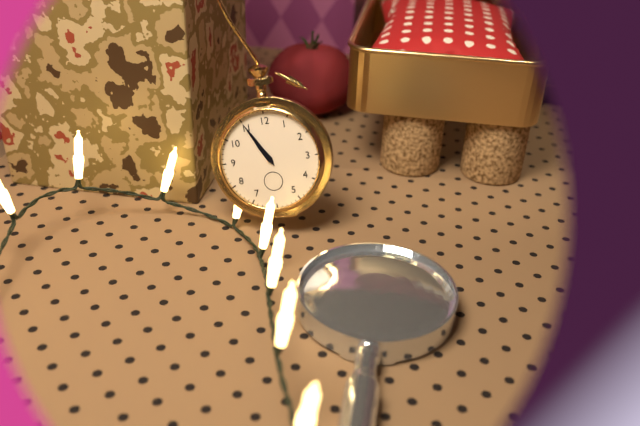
10:55
